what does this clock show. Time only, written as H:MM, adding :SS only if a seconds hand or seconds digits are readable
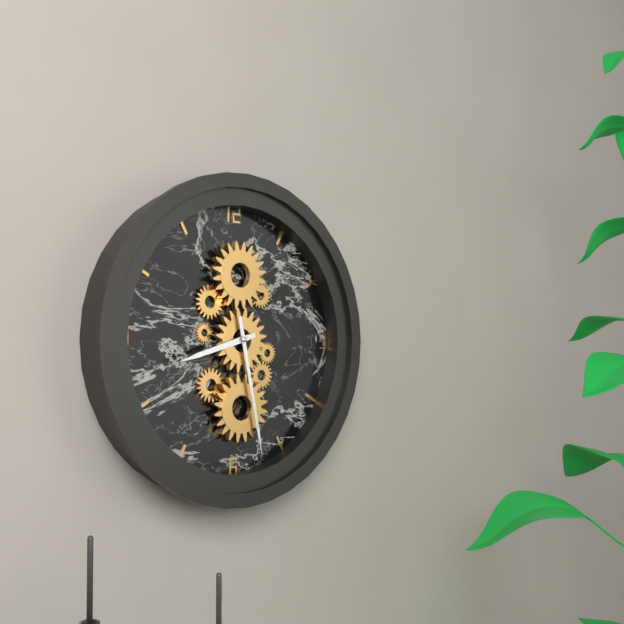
8:28
